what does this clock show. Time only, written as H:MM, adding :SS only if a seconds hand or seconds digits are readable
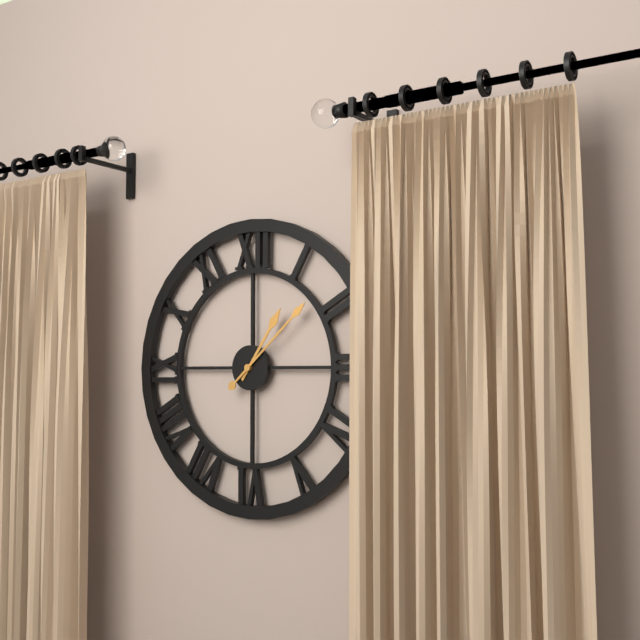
1:08
